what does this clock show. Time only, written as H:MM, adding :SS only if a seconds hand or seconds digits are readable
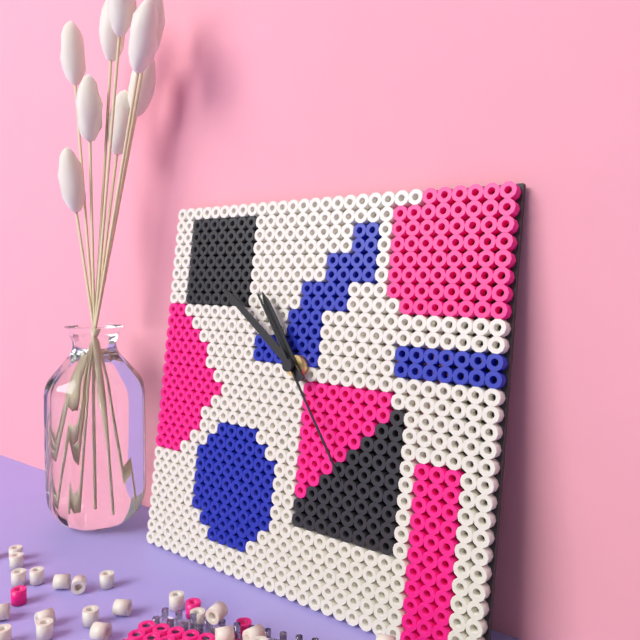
10:51:24
